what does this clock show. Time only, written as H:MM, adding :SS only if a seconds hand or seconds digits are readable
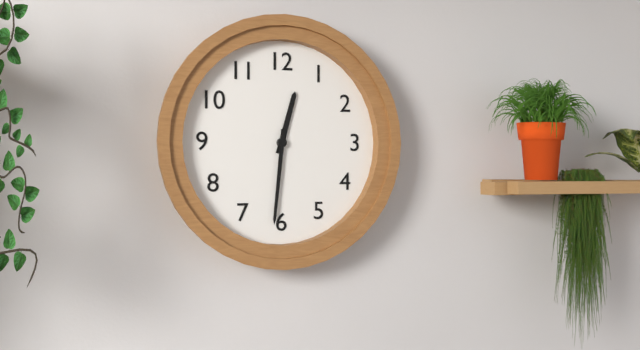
12:31
